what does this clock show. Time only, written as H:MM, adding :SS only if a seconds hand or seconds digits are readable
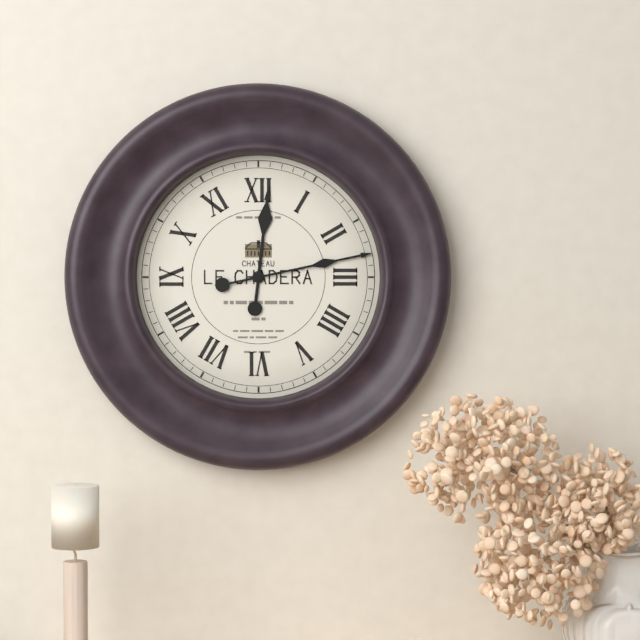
12:13
